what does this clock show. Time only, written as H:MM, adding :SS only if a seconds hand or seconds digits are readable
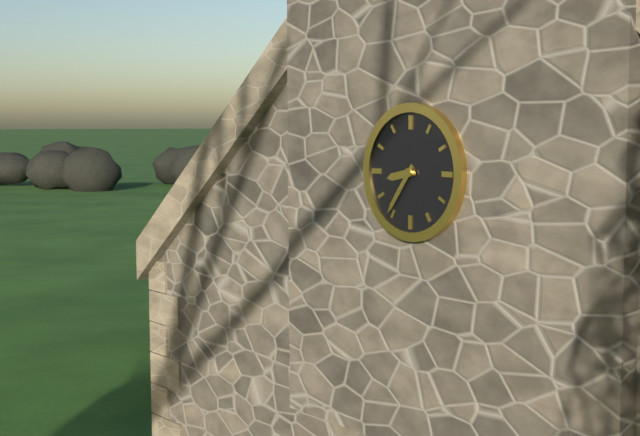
8:36
